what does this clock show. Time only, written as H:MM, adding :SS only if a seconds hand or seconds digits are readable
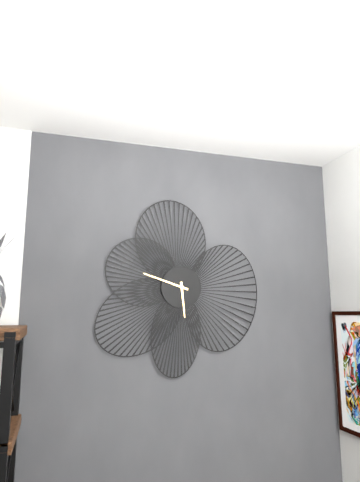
5:48
